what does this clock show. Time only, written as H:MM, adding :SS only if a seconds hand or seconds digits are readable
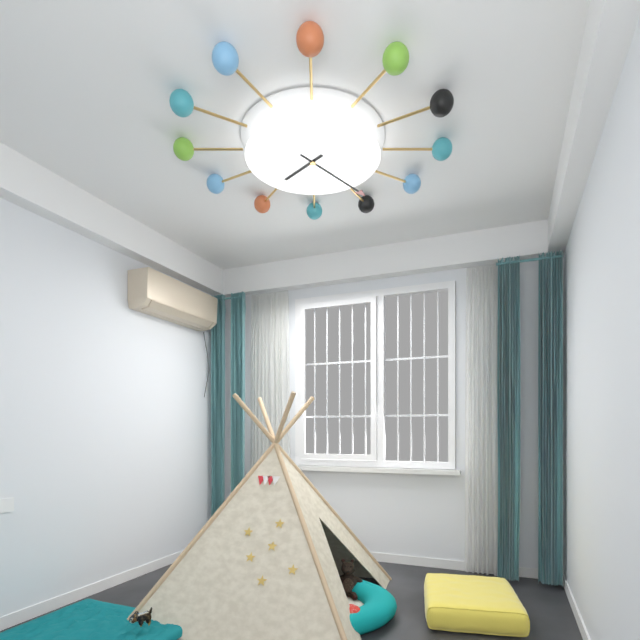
7:23
